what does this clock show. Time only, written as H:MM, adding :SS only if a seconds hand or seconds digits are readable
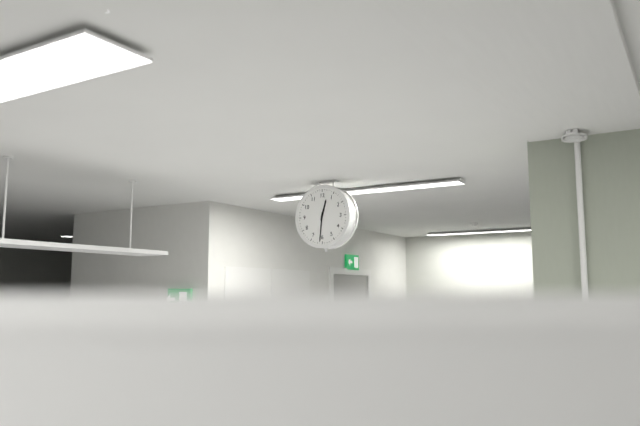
12:31
